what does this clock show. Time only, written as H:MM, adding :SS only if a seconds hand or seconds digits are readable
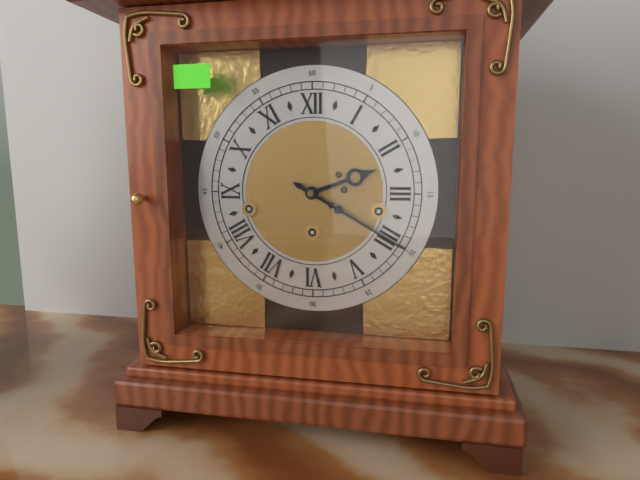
2:20
